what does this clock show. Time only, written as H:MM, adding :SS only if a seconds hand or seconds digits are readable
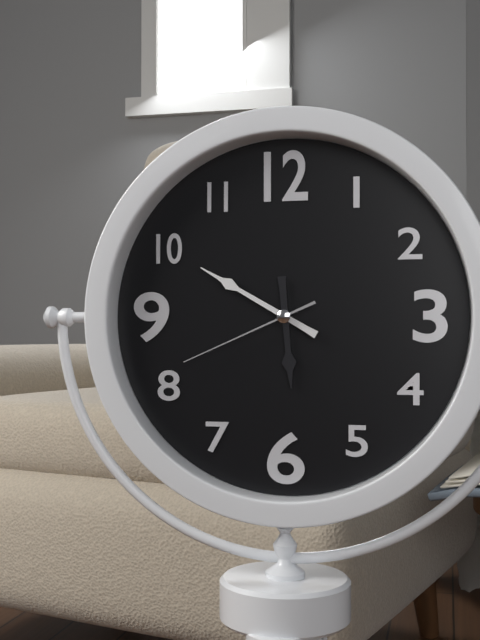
5:50:41
